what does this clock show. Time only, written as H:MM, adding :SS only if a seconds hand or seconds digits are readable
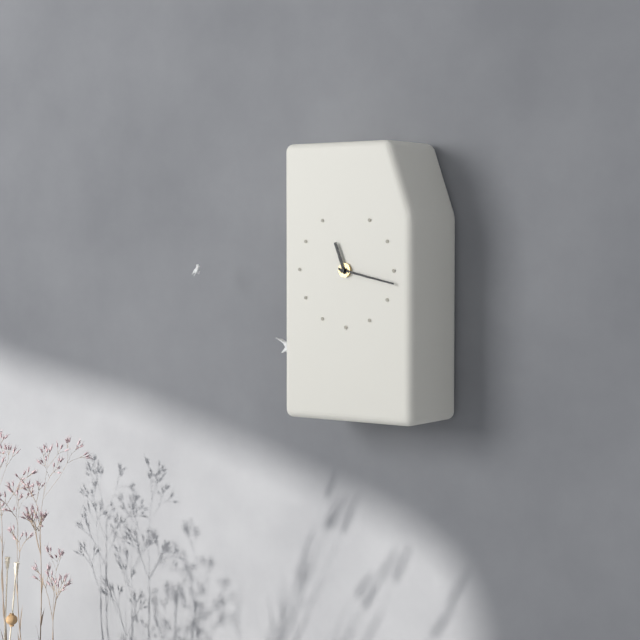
11:17
